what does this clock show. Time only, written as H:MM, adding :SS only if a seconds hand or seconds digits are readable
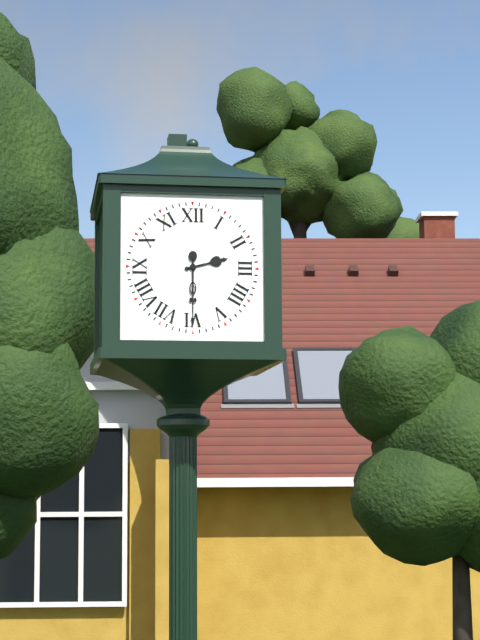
2:30
